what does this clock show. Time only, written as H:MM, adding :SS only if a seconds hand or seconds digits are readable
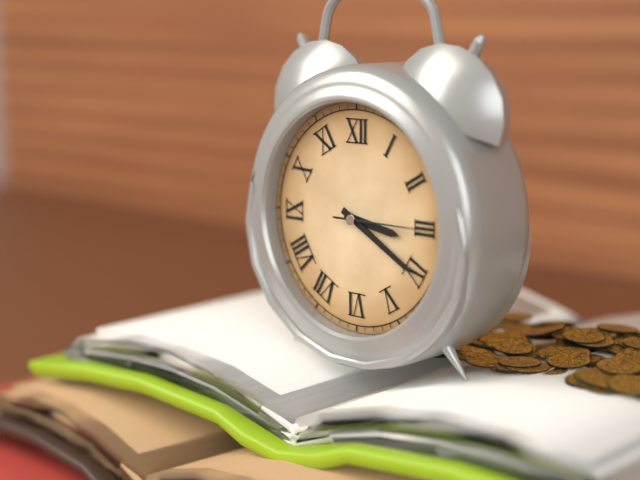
3:20:15
